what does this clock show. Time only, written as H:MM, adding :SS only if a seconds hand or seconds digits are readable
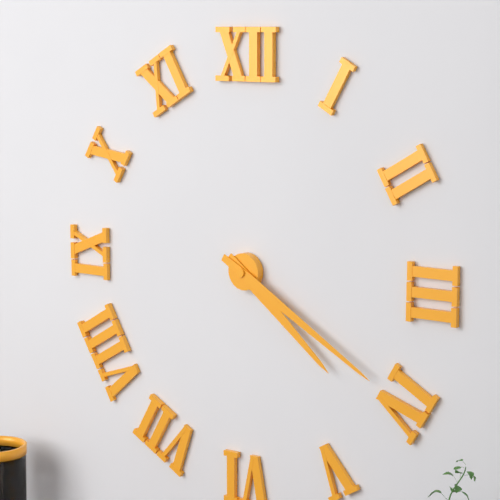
4:20
